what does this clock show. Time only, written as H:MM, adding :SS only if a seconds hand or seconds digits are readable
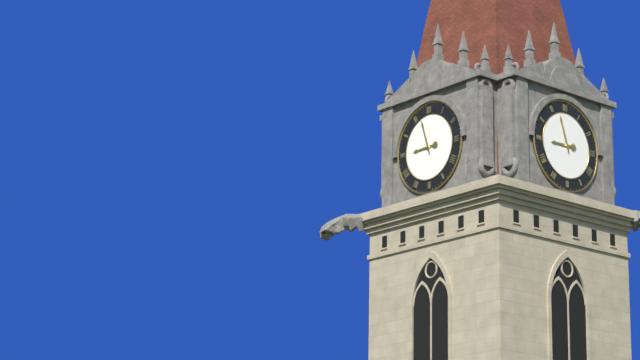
8:57
